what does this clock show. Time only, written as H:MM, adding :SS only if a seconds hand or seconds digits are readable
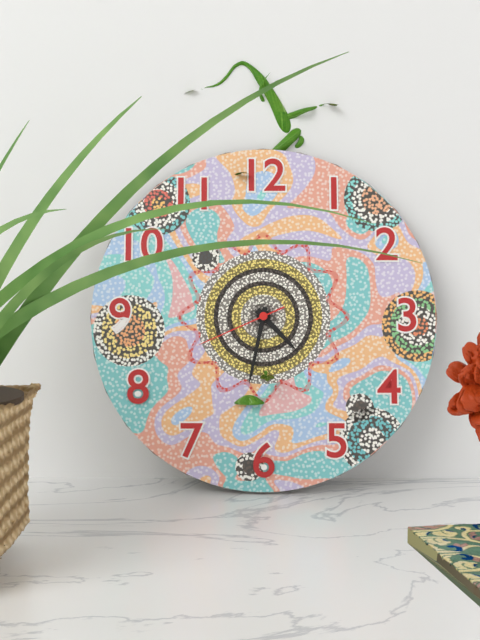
4:32:41
